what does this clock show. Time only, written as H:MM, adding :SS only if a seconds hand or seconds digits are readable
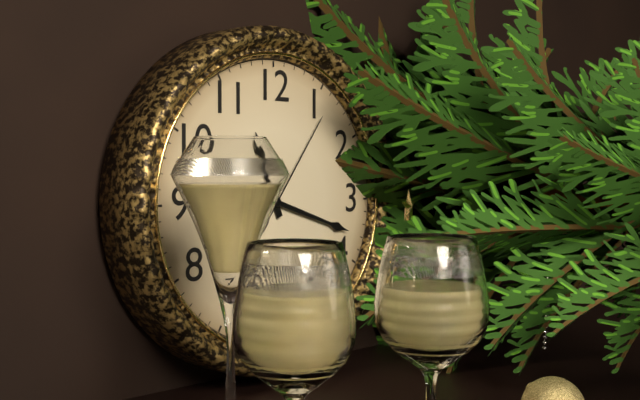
11:18:06
